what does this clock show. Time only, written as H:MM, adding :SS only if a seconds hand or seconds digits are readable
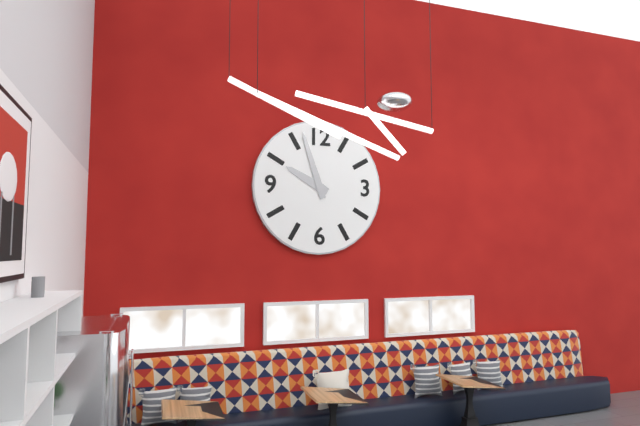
9:57
